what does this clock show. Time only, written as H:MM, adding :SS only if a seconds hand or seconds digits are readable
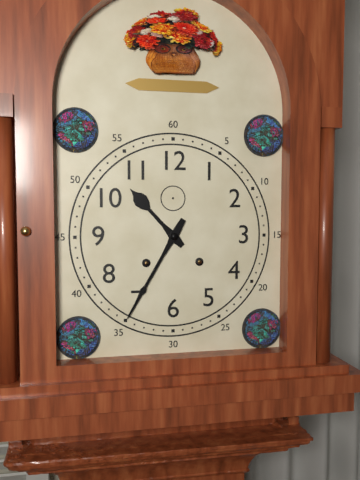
10:35
